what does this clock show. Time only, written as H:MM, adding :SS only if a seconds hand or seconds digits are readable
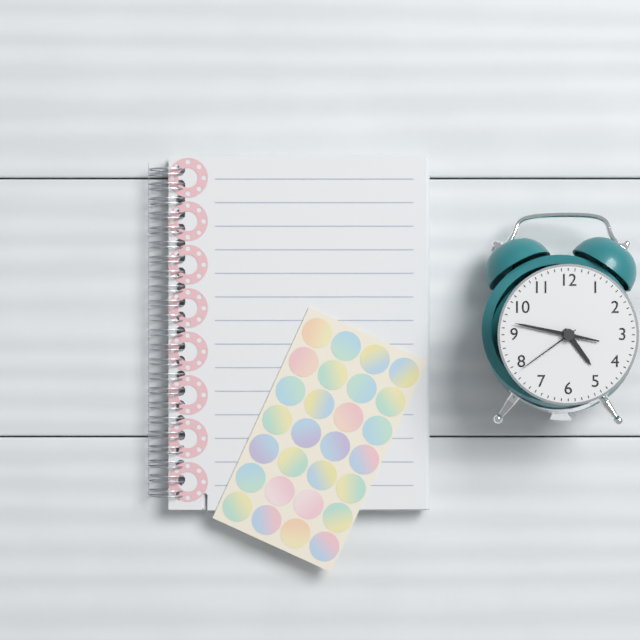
4:47:39
